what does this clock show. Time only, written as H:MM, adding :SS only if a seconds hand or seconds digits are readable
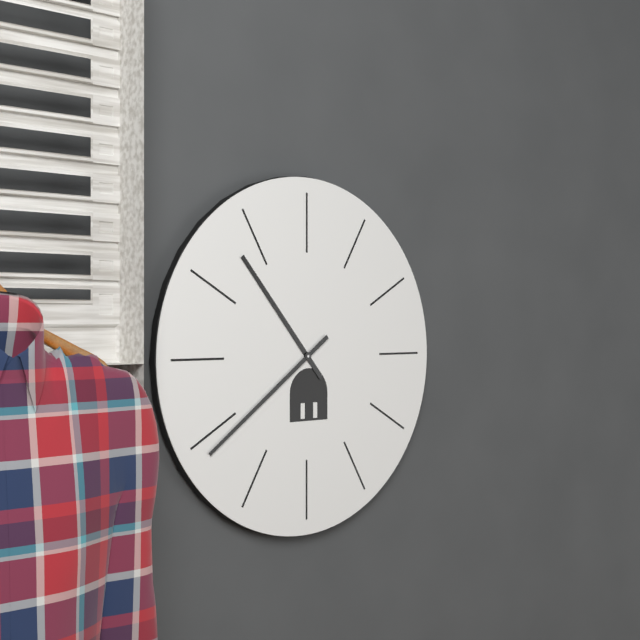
10:39
